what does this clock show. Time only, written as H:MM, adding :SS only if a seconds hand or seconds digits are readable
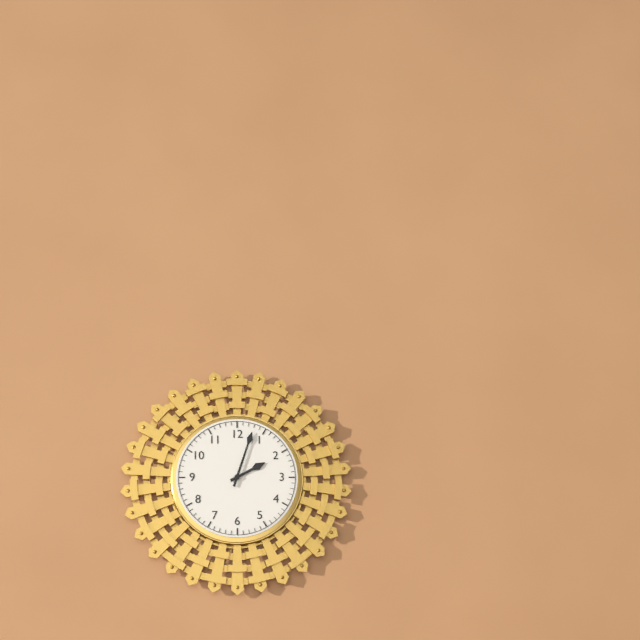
2:03
